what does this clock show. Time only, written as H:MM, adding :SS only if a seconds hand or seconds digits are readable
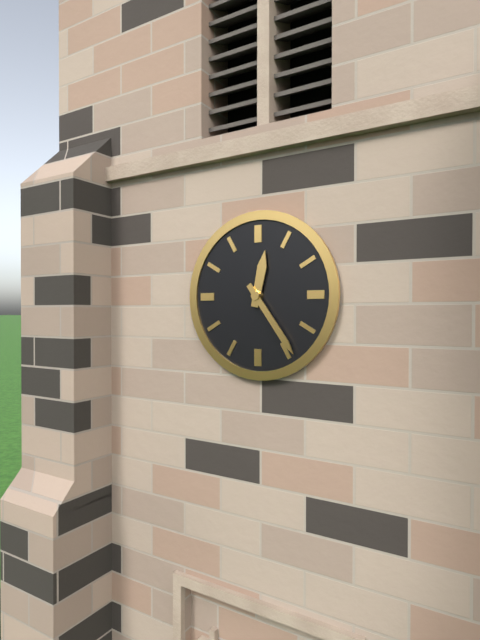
12:24
